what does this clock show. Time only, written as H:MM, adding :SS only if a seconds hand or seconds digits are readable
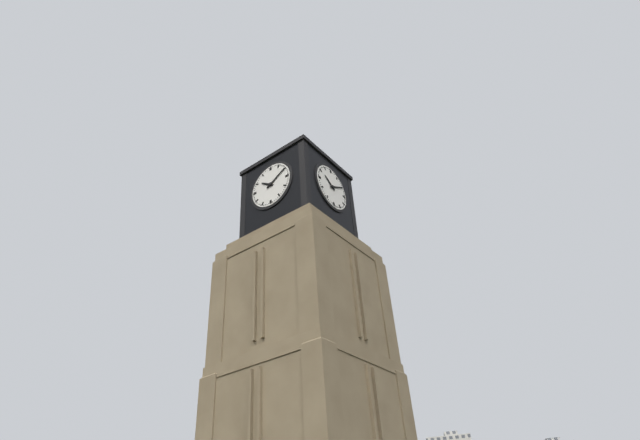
10:10
